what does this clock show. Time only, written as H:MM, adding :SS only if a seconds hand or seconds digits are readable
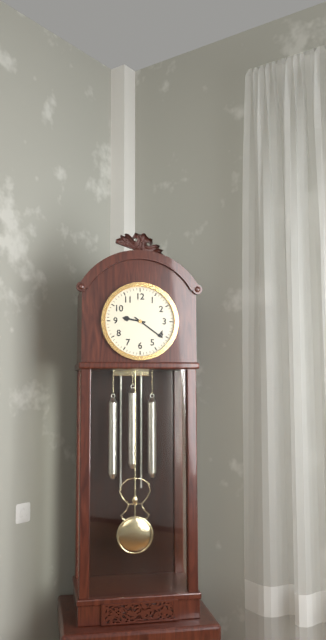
9:21
